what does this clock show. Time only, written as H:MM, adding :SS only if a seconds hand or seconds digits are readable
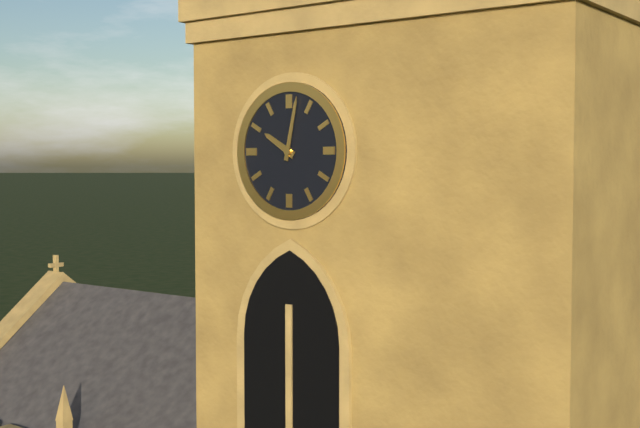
10:02
